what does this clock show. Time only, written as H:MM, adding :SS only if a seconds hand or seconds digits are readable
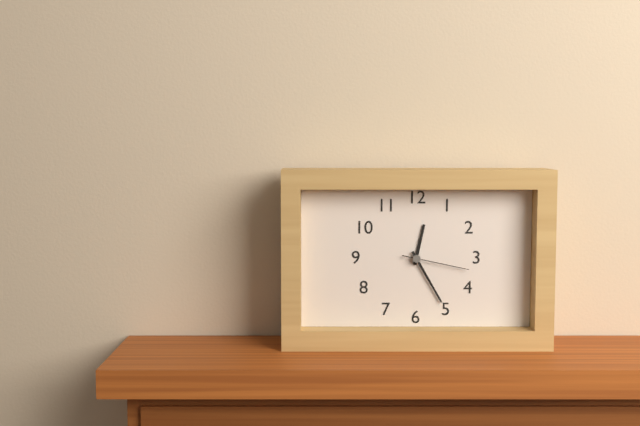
12:25:17
